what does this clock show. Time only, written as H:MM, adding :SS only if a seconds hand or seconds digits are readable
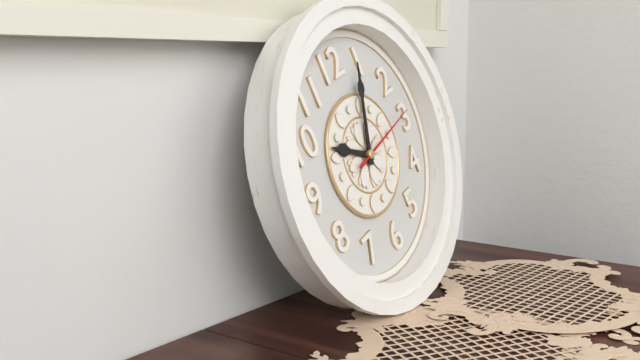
10:04:14
